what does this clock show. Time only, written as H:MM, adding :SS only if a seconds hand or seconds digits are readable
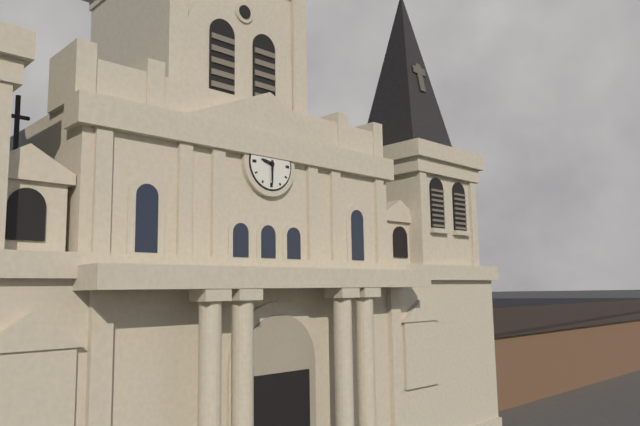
9:30
